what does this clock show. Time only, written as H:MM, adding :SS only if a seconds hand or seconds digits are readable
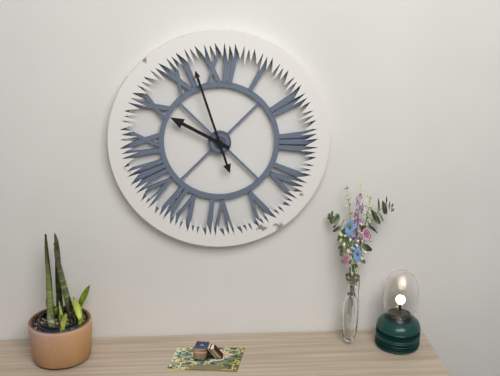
9:57
